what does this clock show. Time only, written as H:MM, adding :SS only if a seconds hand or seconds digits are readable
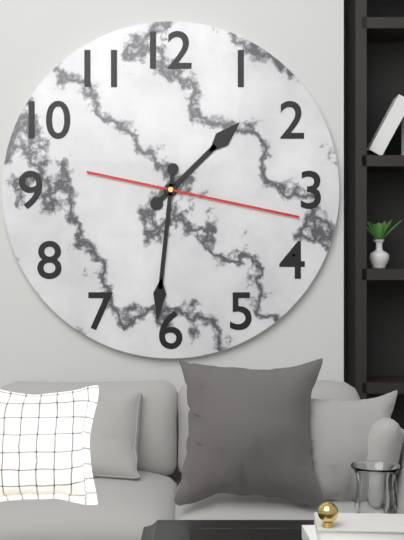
1:31:17
